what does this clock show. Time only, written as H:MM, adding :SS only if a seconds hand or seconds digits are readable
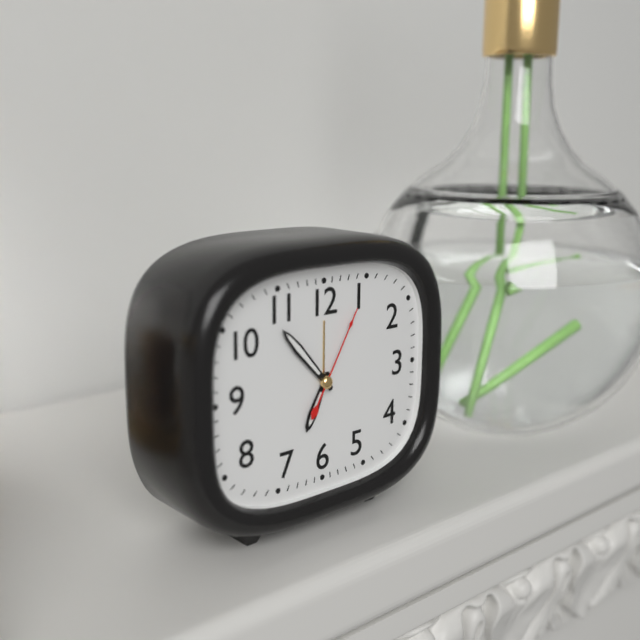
6:53:05
